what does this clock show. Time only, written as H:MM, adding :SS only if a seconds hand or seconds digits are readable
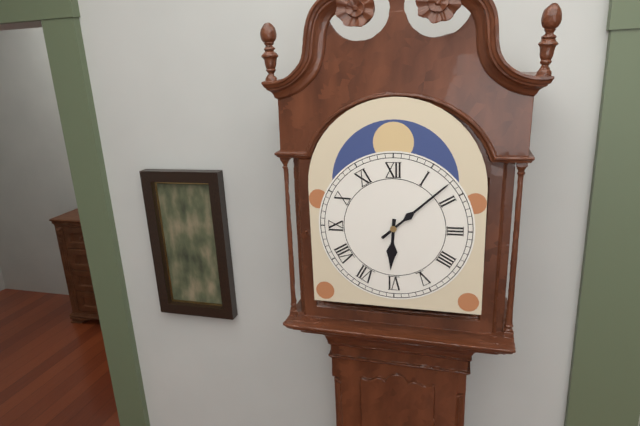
6:08
